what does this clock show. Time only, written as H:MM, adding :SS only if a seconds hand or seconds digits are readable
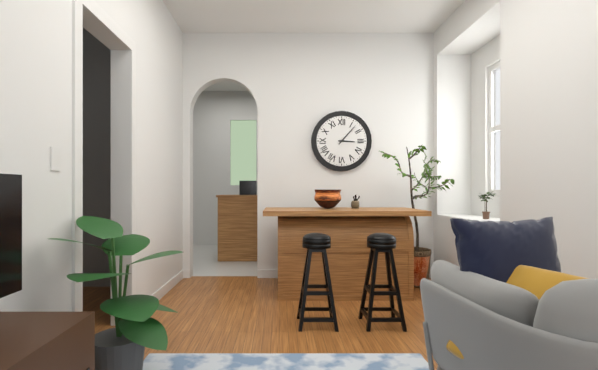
3:07
